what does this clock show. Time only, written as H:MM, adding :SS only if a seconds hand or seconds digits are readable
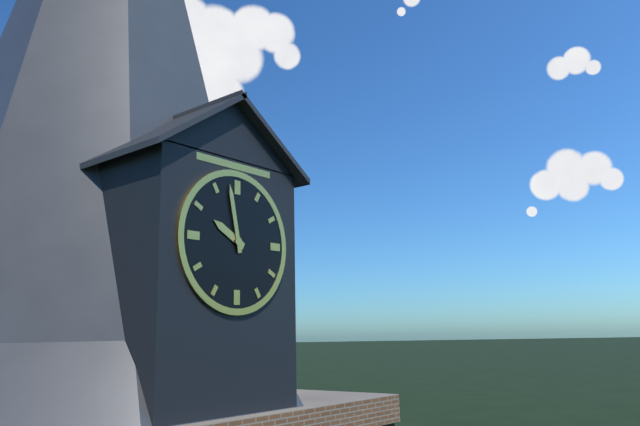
9:58
